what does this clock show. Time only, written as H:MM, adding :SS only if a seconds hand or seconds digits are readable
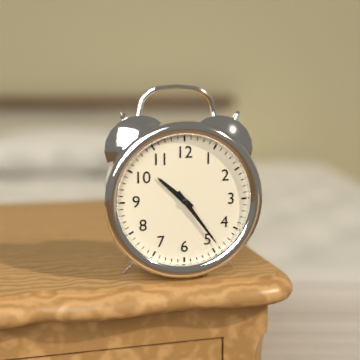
10:24
